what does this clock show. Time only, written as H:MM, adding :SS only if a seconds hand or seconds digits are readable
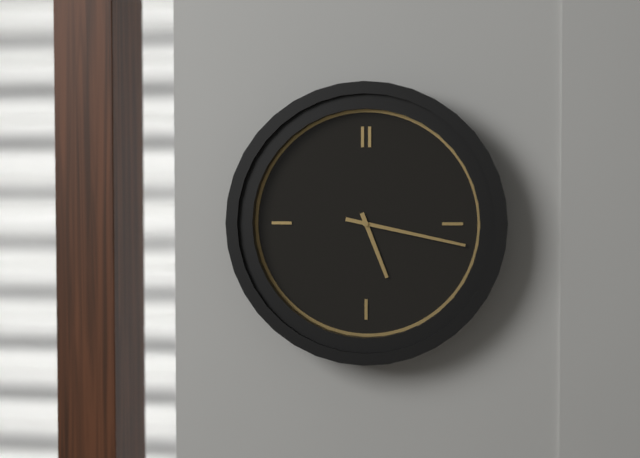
5:17
